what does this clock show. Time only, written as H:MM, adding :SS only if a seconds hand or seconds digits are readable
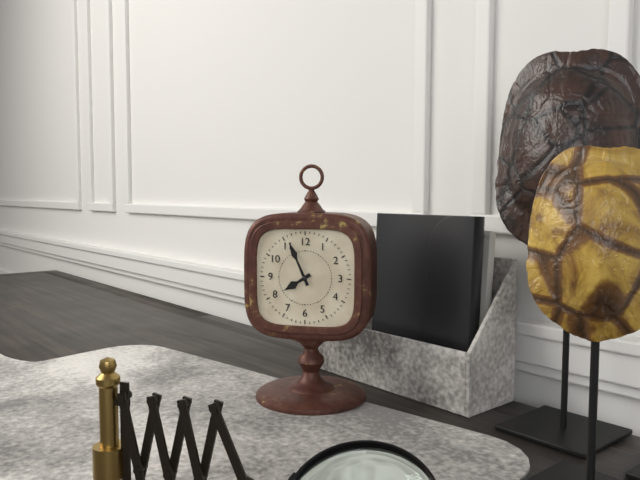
7:56
